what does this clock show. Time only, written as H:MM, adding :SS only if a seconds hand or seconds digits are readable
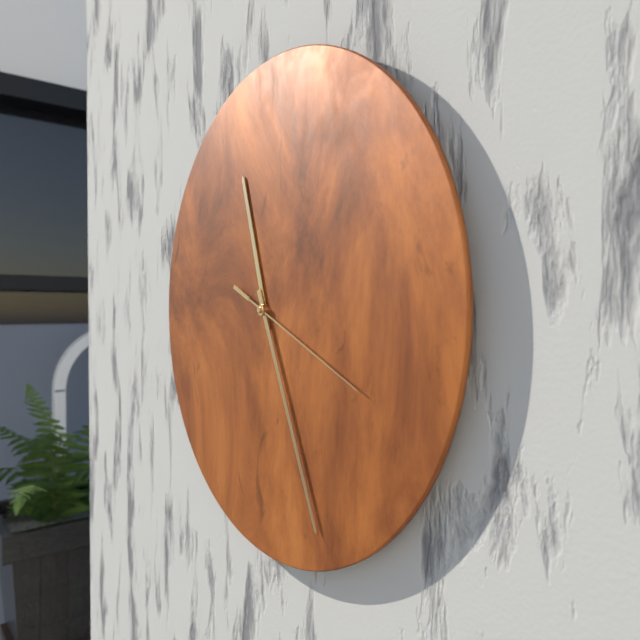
11:26:19
